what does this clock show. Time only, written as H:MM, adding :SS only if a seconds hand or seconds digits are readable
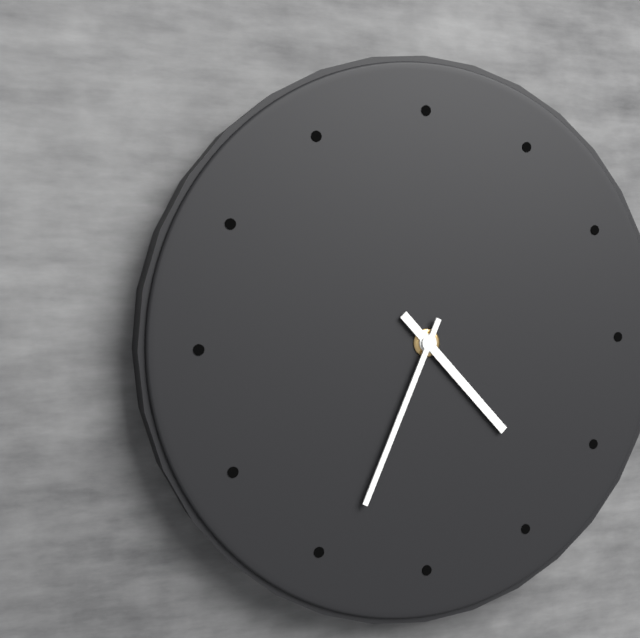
4:34
